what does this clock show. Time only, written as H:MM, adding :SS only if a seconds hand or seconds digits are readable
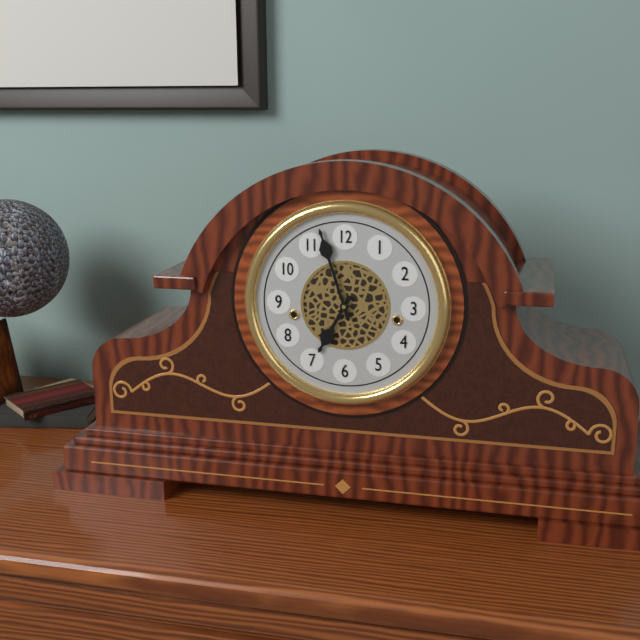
6:57
